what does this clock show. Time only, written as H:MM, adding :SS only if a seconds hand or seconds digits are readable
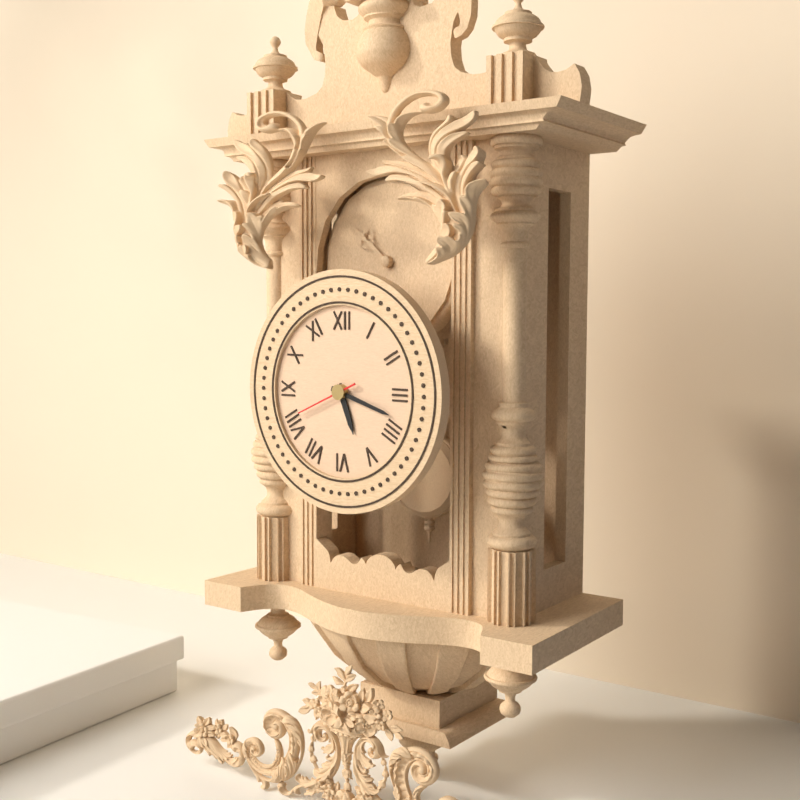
5:18:41
